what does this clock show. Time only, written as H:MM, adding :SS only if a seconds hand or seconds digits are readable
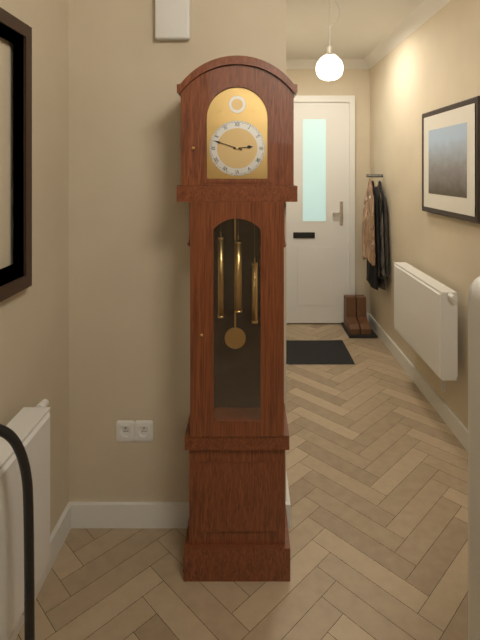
2:48
